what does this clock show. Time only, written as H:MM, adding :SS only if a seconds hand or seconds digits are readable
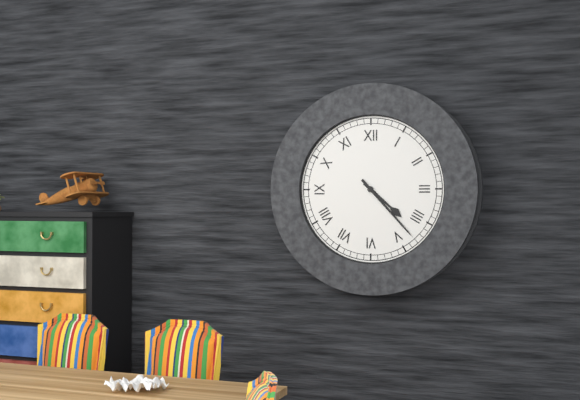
4:23
